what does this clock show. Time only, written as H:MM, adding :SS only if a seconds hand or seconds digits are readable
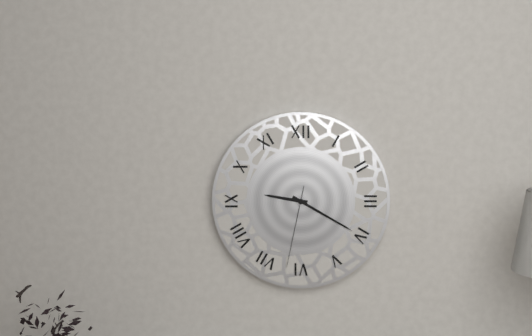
9:20:32
